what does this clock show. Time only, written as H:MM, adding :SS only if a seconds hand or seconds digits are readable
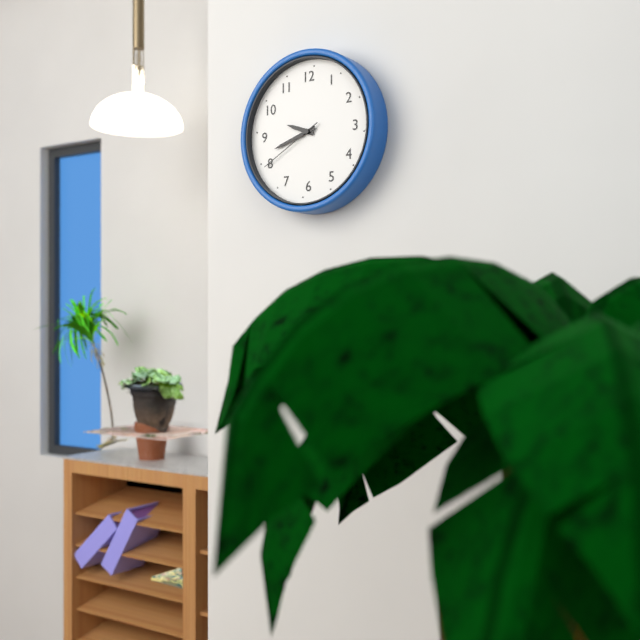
9:42:40
